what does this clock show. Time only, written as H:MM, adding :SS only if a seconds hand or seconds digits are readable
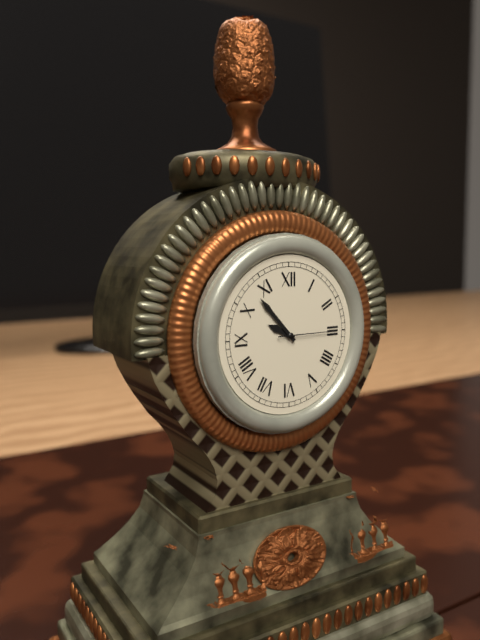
9:53:15
